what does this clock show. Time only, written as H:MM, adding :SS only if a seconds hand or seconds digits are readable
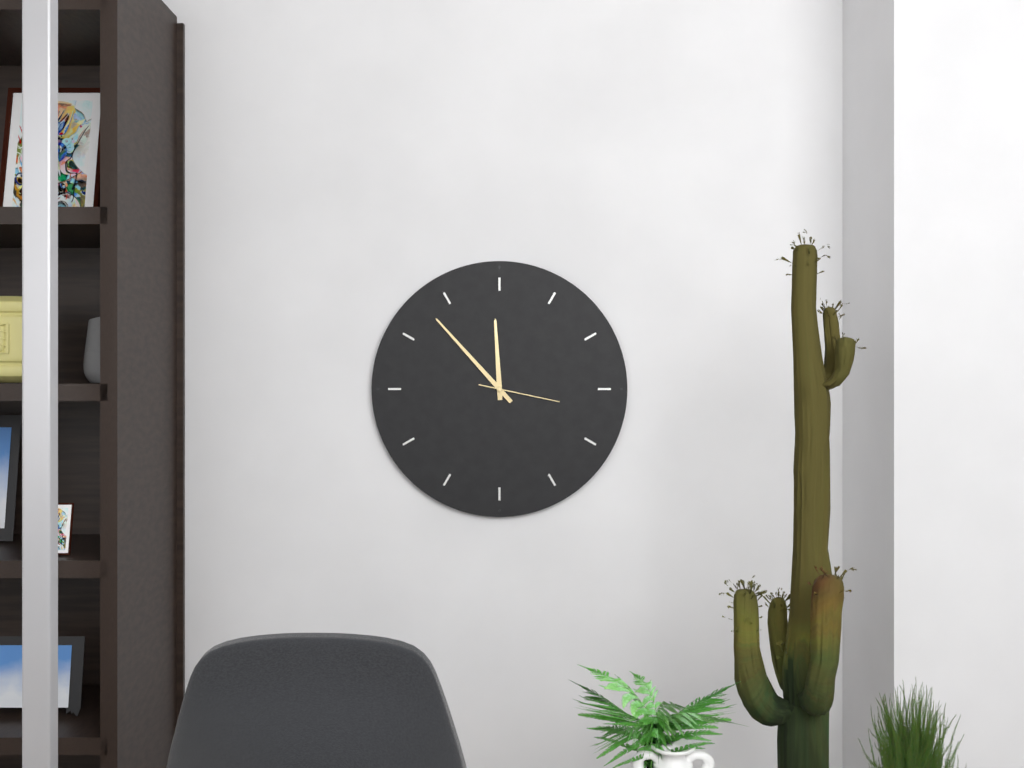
11:53:17
